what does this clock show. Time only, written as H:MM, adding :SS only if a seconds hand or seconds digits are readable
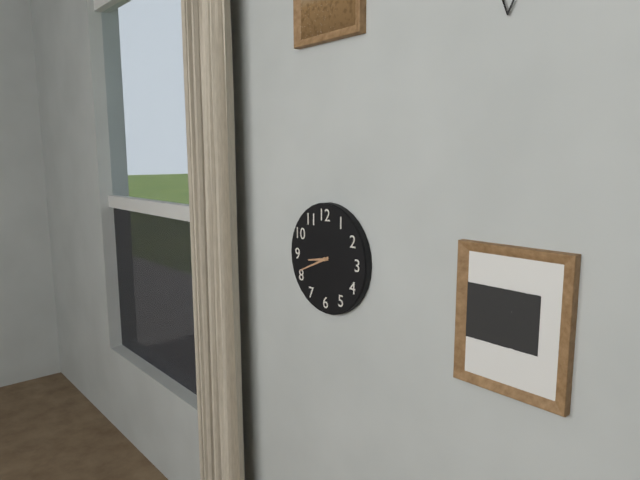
8:41
